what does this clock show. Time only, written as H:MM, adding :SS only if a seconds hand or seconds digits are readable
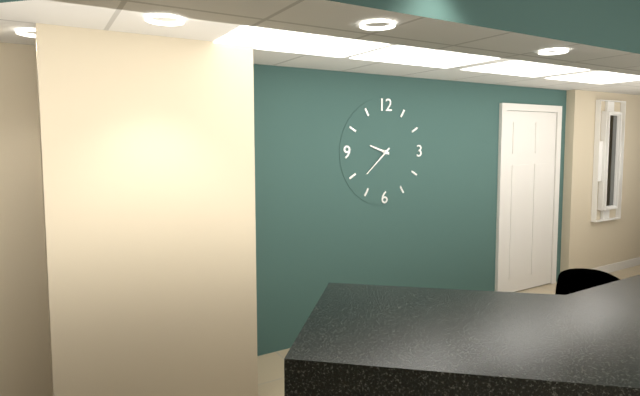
9:38
